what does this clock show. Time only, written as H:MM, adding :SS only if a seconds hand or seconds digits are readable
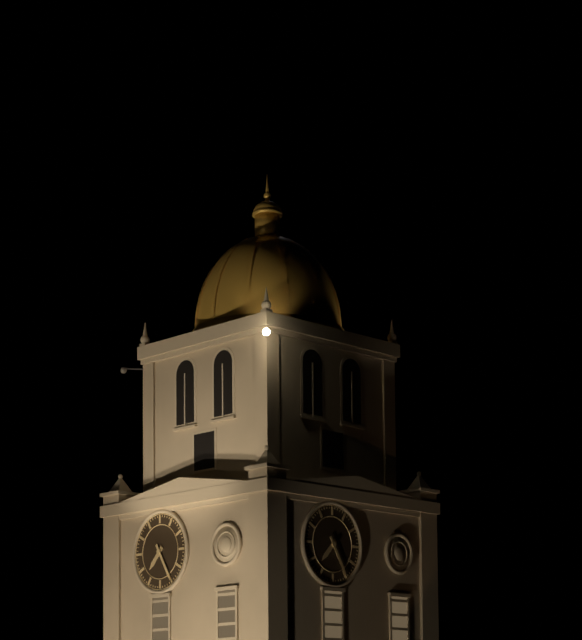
7:25
